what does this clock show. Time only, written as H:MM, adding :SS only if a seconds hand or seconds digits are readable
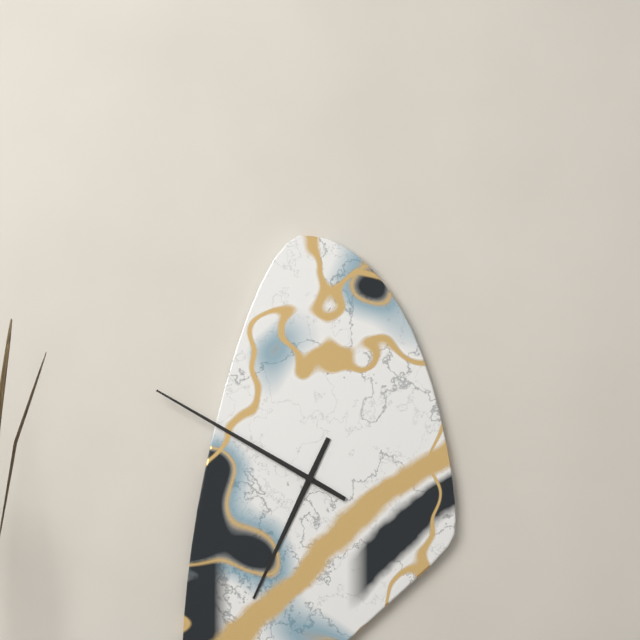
6:50
